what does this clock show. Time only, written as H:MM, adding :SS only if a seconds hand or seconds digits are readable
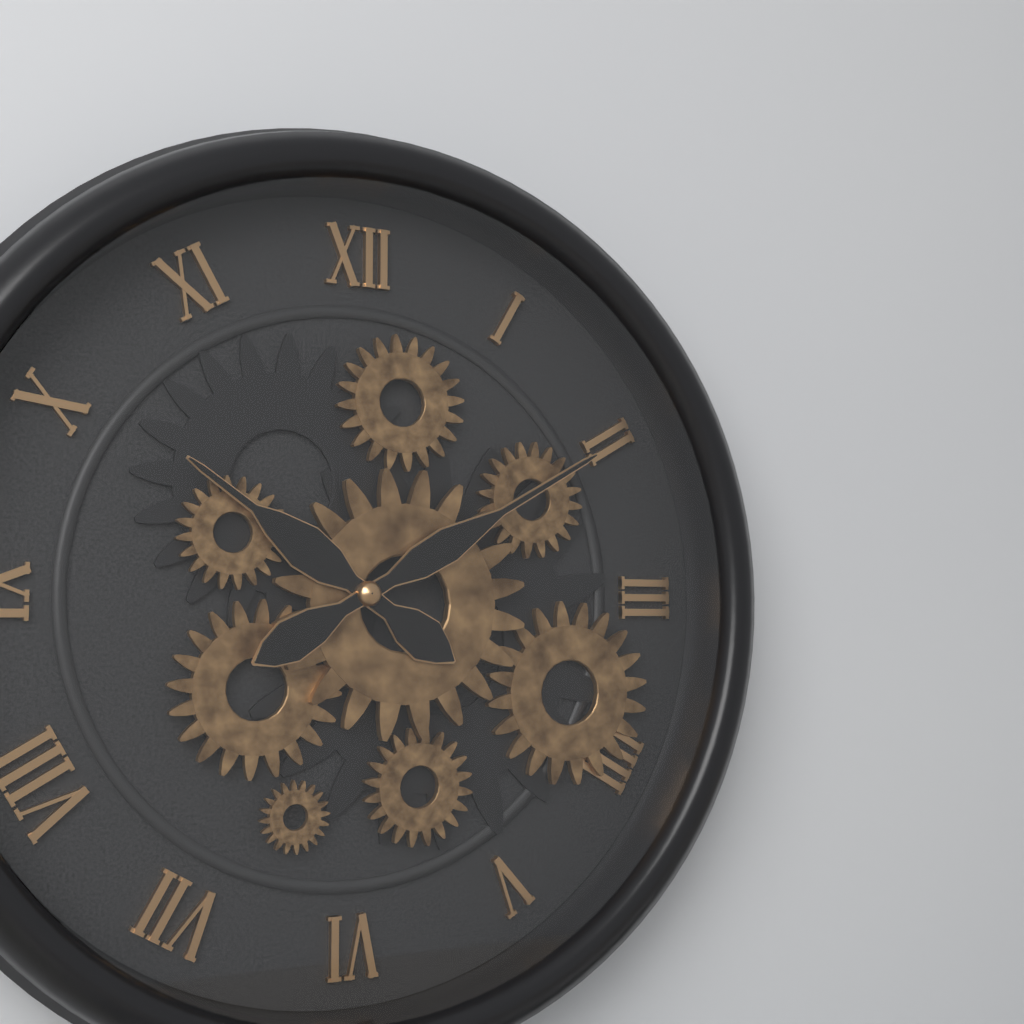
10:10
